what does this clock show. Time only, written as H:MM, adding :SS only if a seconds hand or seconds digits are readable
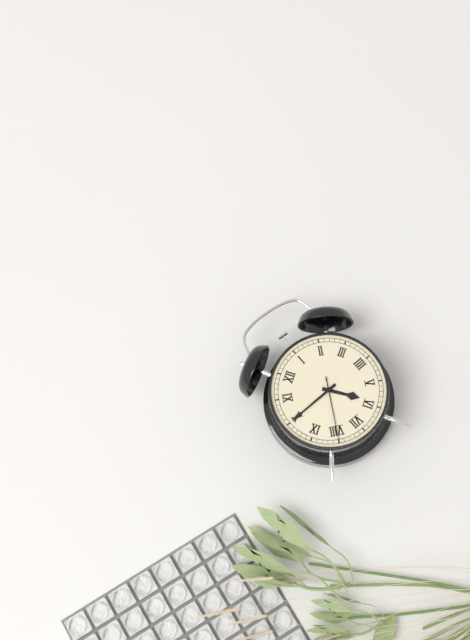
5:50:40
